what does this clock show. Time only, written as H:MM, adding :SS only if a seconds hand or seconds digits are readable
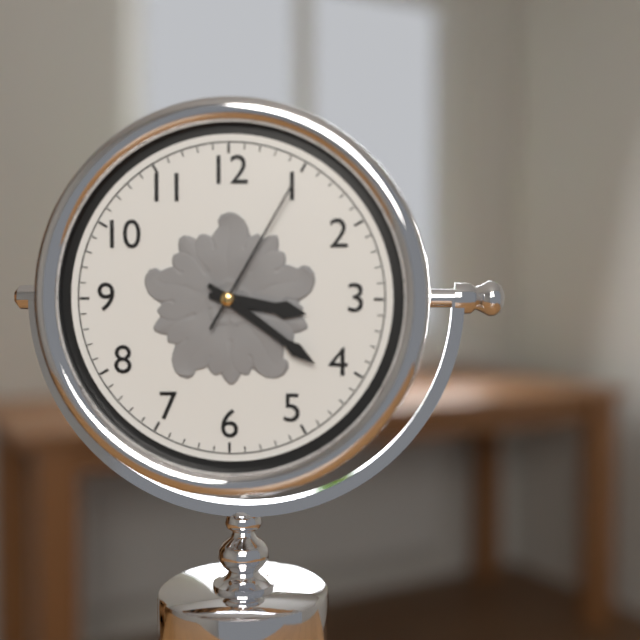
3:21:05
